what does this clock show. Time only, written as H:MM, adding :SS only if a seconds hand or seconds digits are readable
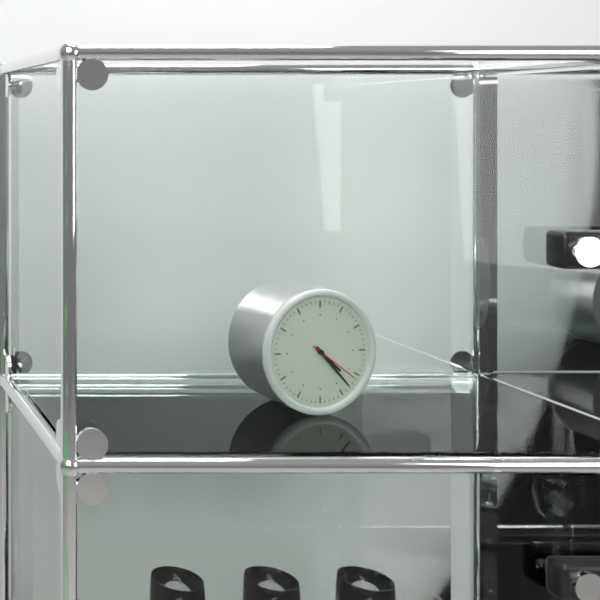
4:23:21
